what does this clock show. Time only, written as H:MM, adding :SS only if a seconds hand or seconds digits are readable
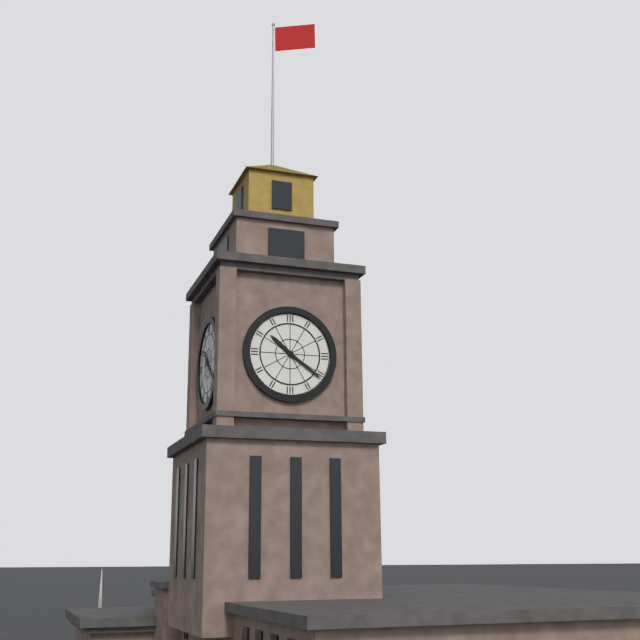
10:21
